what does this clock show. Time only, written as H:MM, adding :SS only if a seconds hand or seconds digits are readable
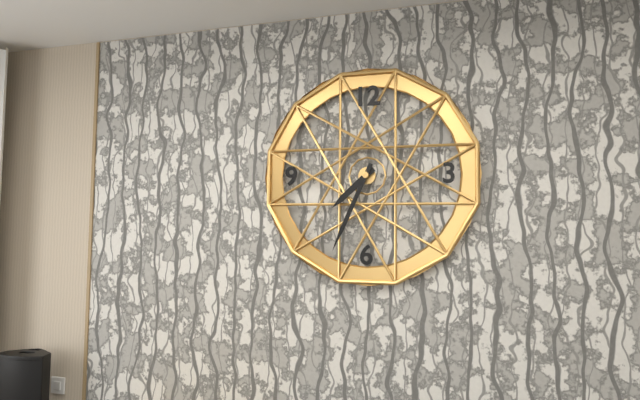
7:34
